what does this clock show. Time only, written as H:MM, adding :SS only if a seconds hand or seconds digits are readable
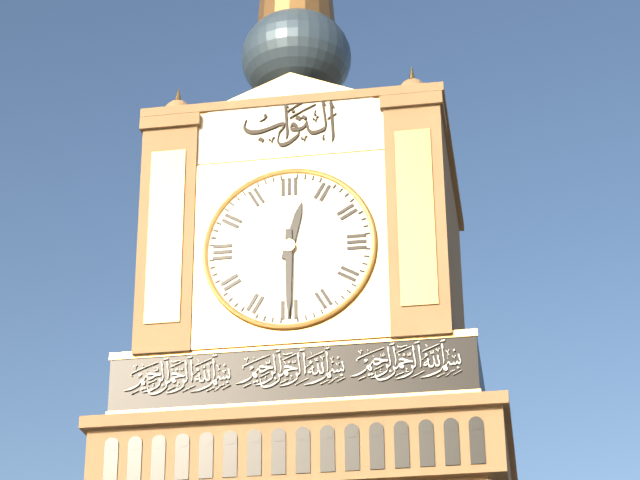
12:30
